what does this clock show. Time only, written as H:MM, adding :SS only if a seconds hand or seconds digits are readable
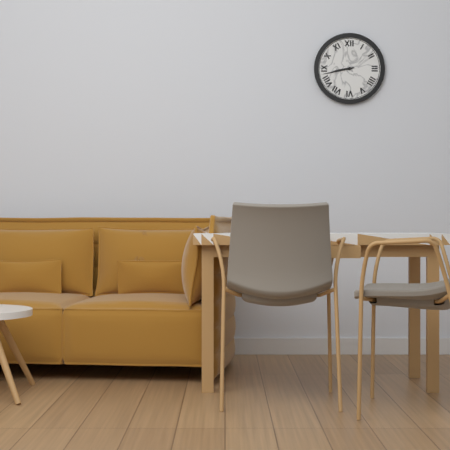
8:43
